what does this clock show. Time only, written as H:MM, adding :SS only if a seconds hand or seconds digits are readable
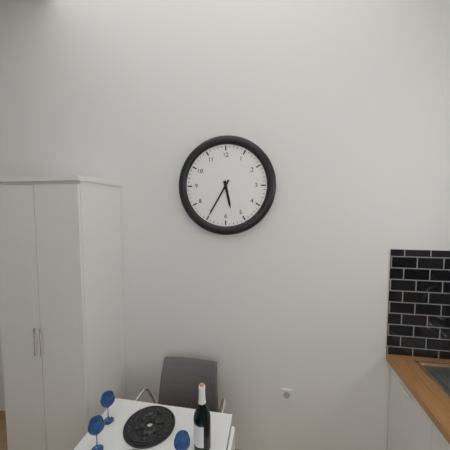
5:35
